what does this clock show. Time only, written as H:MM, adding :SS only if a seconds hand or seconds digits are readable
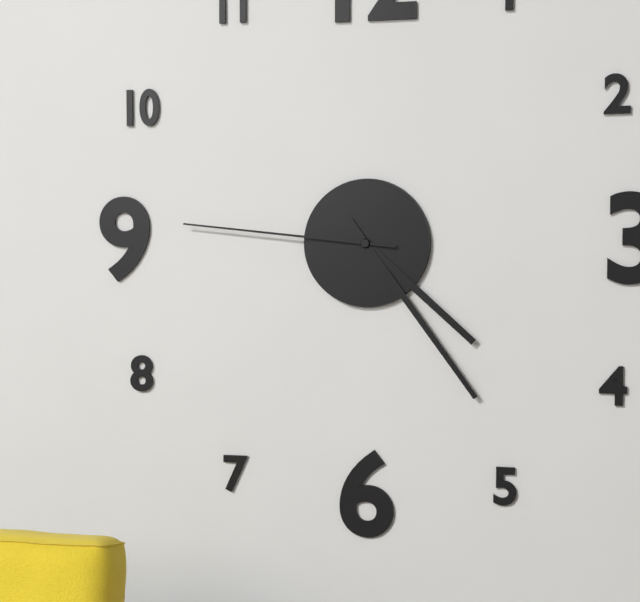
4:24:46
